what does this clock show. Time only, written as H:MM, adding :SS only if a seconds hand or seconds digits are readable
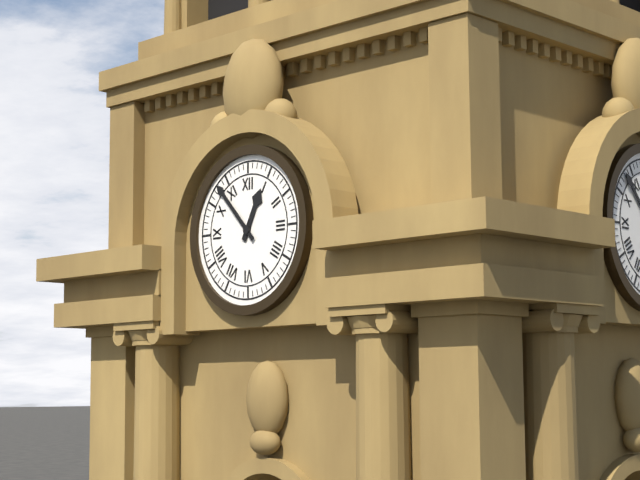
12:53
